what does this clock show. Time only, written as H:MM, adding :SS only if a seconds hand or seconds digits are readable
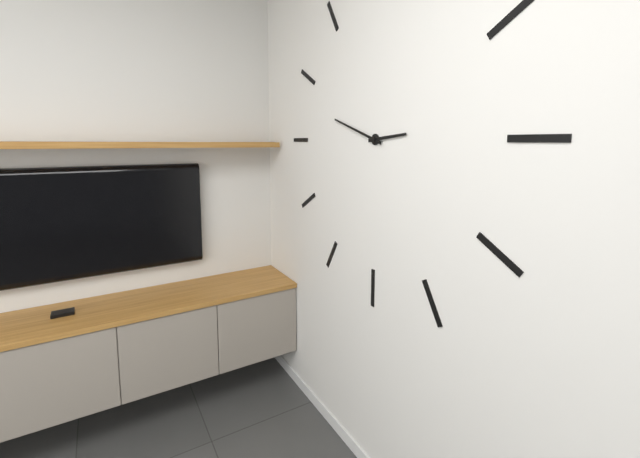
2:48
